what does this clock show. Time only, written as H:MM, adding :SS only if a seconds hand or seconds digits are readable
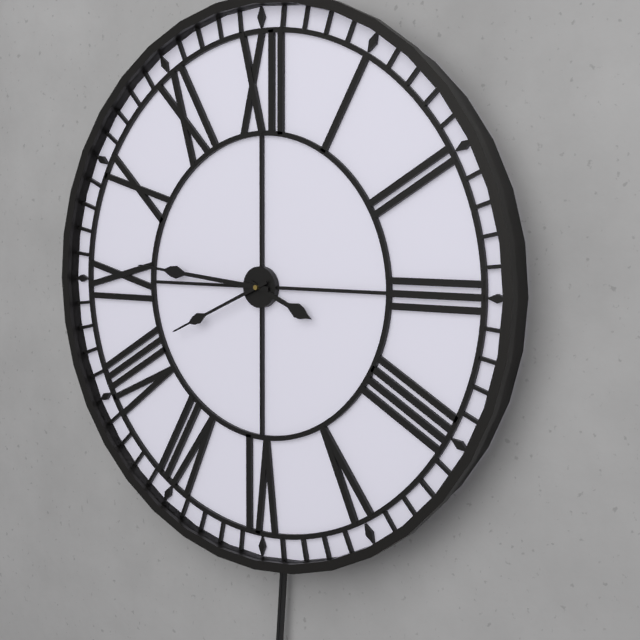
3:46:41
